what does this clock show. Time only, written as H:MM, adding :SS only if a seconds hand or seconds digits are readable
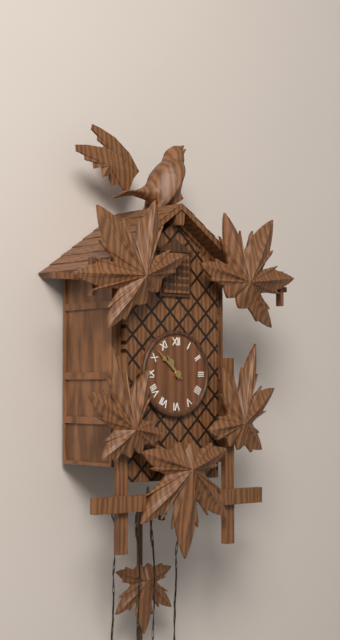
10:52
